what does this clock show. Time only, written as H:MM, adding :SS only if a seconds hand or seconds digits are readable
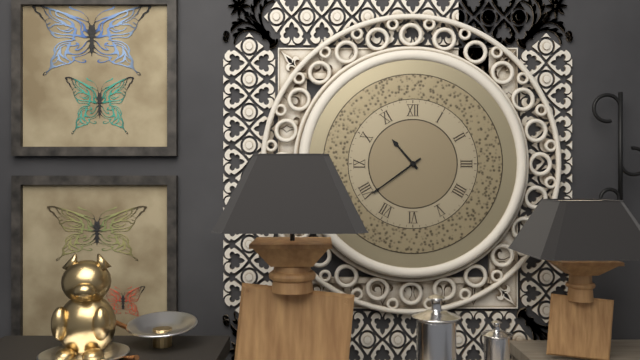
10:39
